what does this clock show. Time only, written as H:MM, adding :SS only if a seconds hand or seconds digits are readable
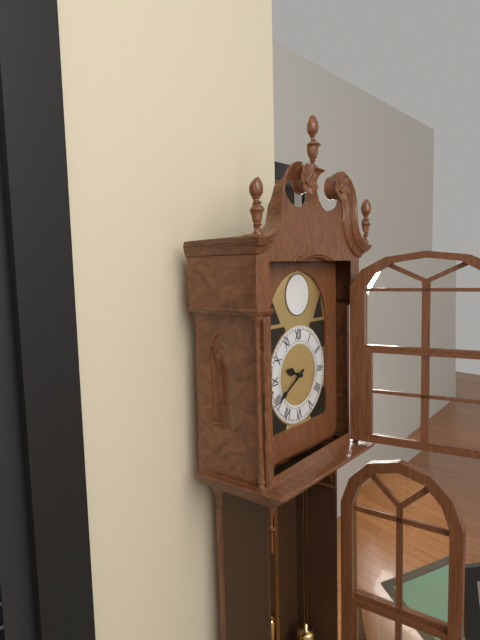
9:40
